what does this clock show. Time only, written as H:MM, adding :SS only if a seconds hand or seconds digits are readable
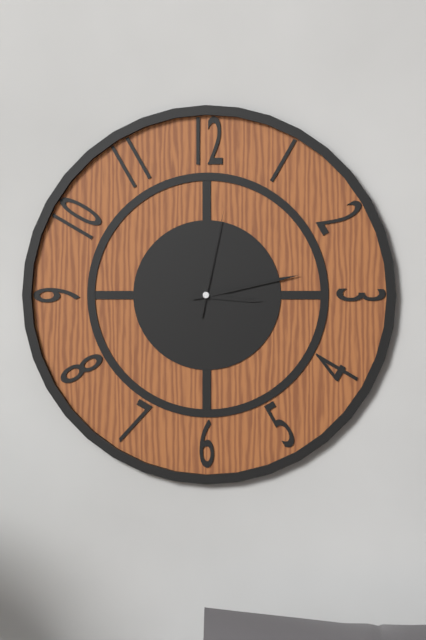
3:13:02
